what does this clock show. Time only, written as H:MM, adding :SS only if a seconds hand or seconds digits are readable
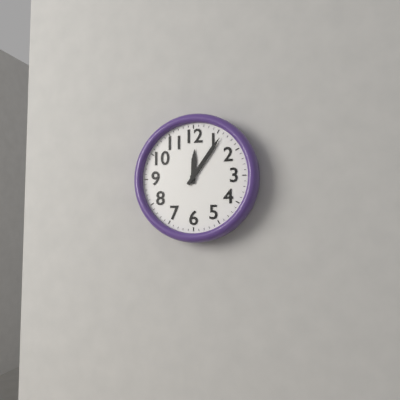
12:06
